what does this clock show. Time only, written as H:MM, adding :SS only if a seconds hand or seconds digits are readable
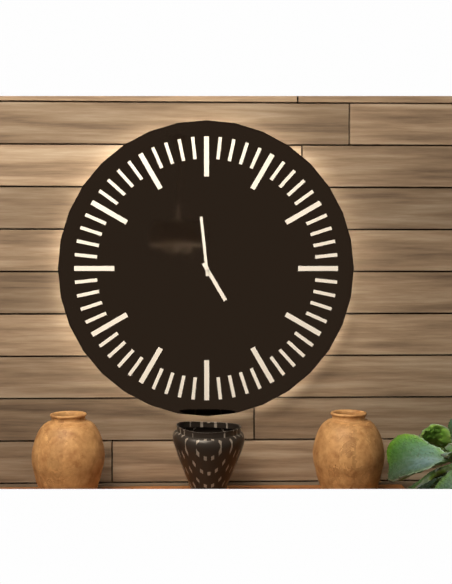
4:59
